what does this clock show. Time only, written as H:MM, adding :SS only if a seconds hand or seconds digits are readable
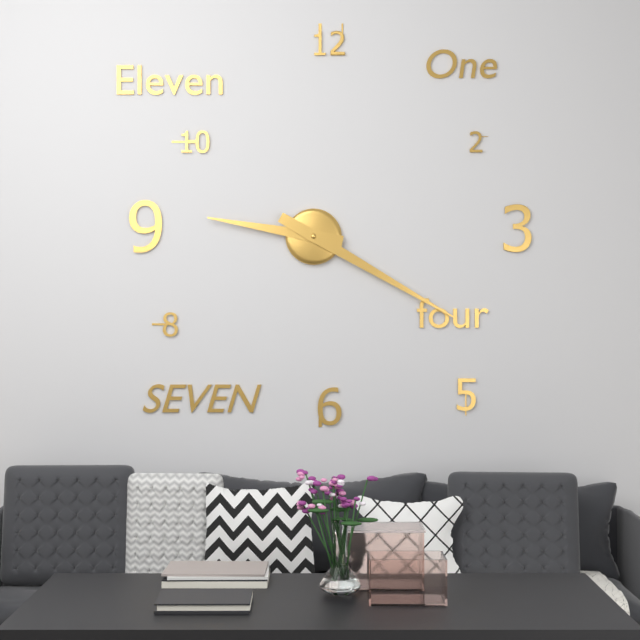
9:20
